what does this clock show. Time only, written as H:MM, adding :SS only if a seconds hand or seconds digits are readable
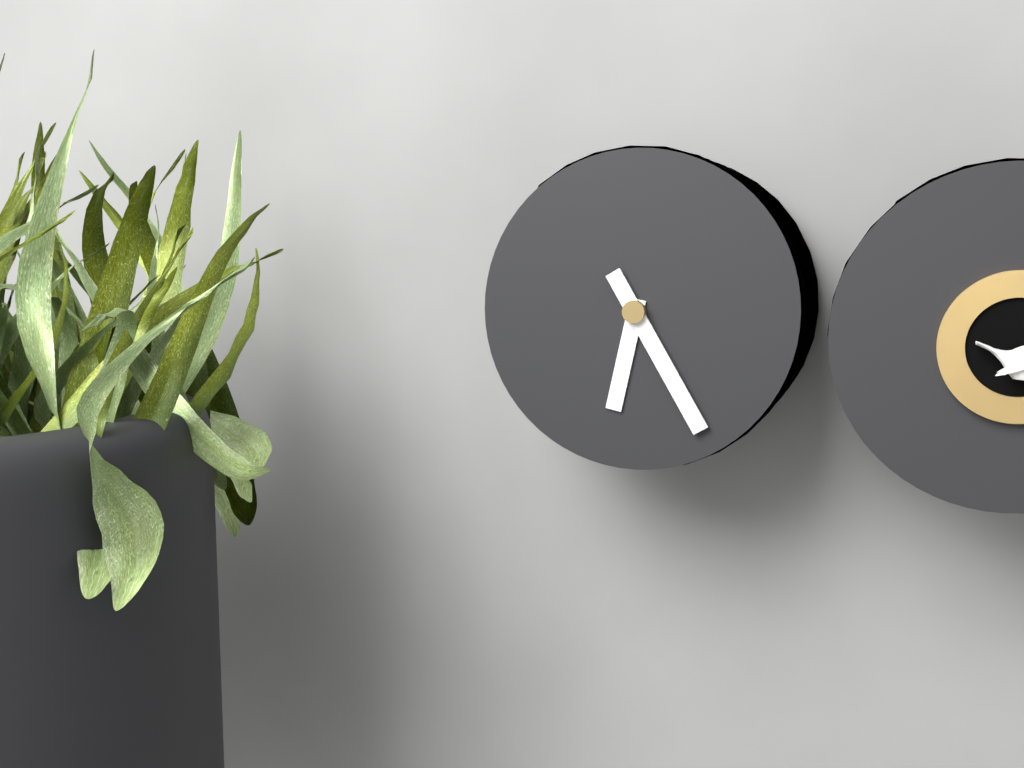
6:25
